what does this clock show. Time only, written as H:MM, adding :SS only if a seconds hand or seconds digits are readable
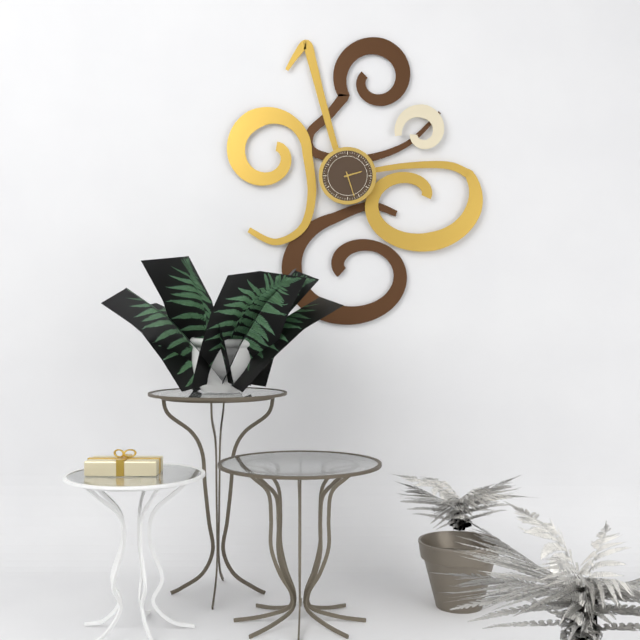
2:27
